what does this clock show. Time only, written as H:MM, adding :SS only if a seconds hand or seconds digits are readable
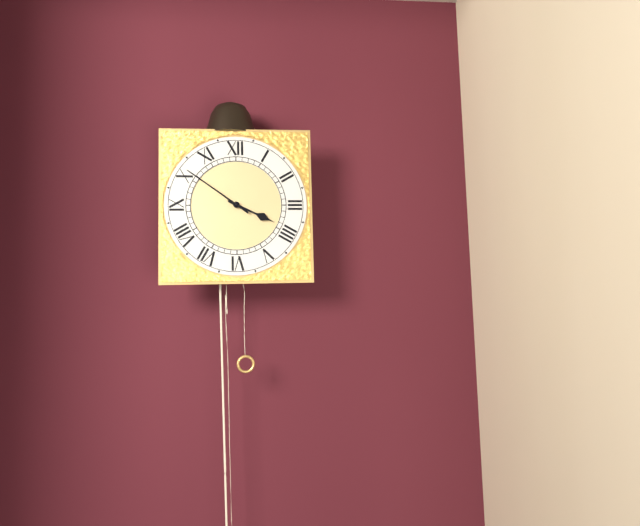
3:51
